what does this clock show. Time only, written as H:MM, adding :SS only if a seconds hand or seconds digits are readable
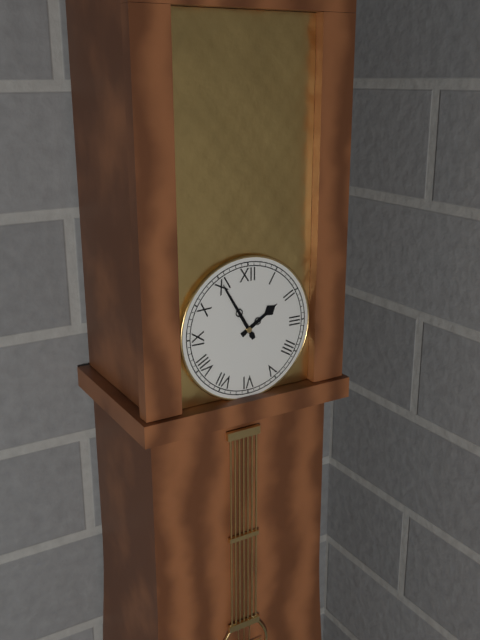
1:55
